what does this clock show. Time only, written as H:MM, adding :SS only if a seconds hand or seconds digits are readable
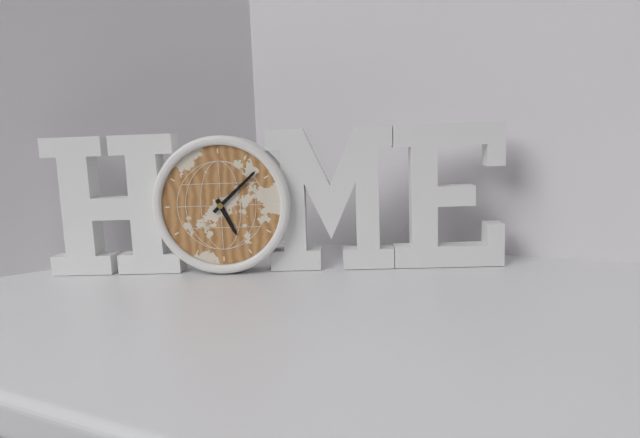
5:08
